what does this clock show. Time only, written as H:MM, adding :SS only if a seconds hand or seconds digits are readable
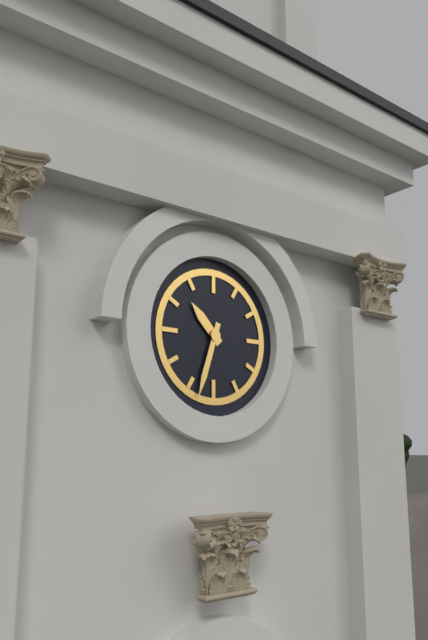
10:33
